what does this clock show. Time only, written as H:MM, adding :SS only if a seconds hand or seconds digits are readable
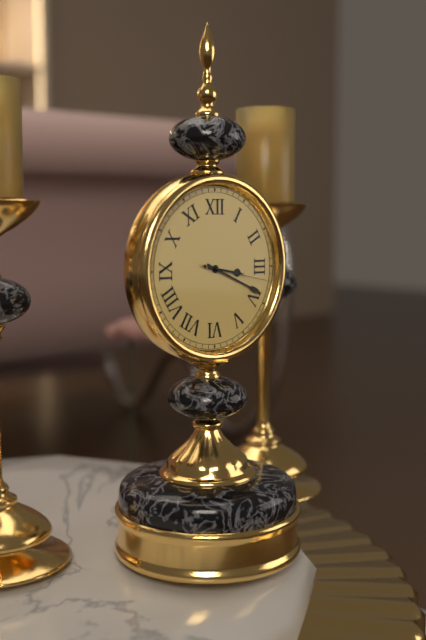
3:19:17
